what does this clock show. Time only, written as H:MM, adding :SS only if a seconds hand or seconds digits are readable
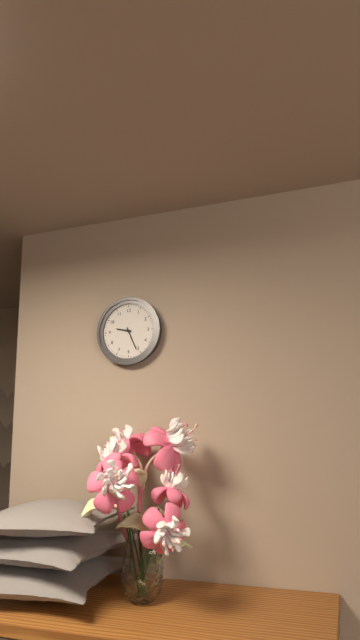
9:26
